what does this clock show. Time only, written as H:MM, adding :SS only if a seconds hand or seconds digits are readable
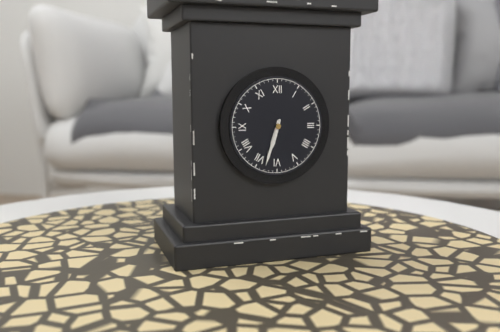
6:33
